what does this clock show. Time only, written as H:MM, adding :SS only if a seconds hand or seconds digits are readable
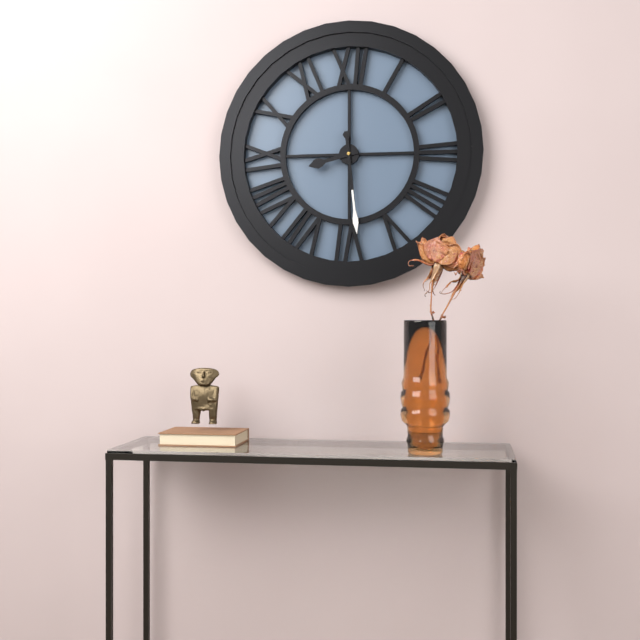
8:29
